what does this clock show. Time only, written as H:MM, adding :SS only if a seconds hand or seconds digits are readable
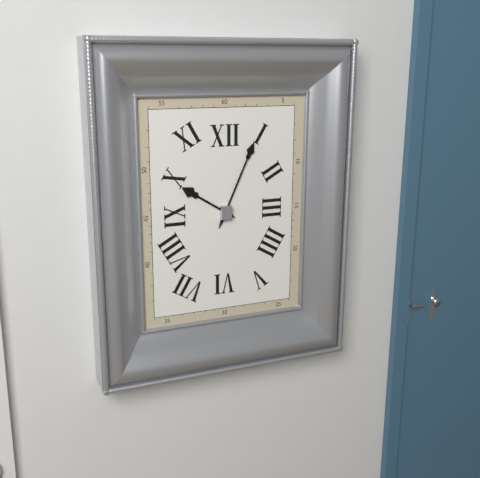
10:04
